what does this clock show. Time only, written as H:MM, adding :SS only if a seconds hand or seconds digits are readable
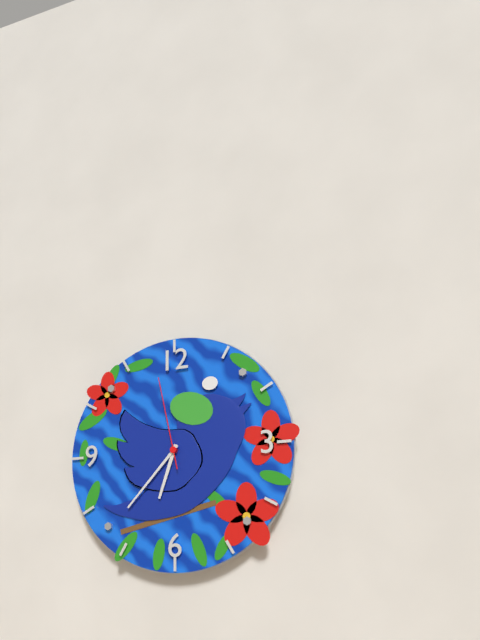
6:37:58
